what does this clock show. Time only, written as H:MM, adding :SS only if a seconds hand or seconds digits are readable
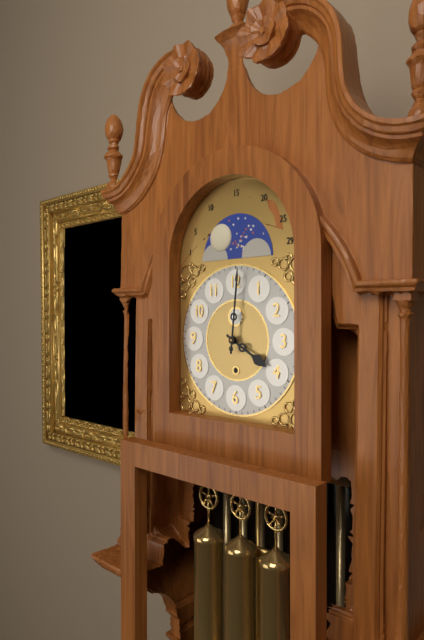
4:01
